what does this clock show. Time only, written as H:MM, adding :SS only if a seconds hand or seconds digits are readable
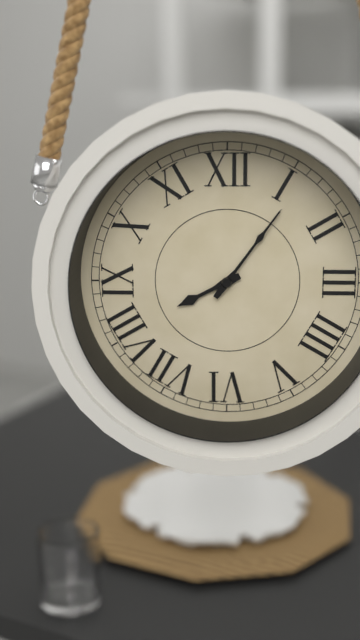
8:06
